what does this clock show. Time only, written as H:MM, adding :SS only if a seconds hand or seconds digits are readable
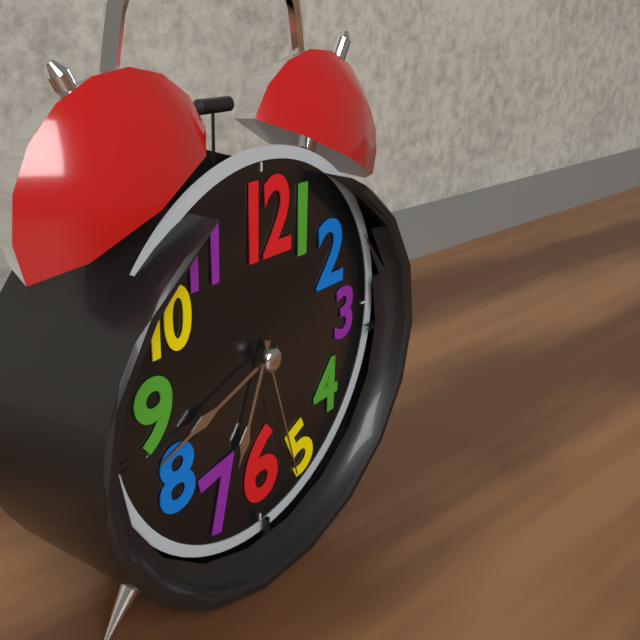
6:42:27
